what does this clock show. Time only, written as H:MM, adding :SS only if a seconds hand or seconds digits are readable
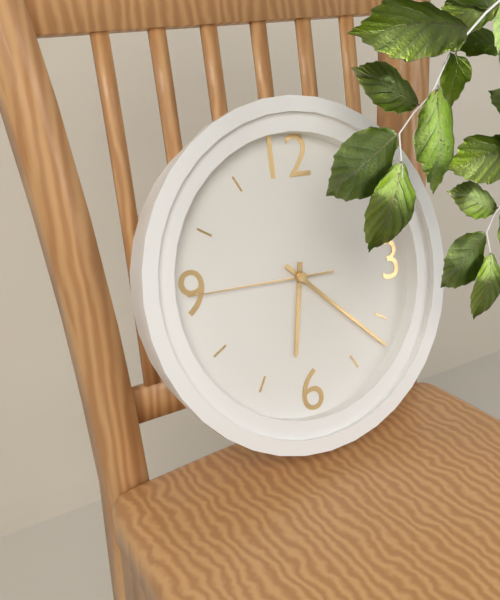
6:22:45
